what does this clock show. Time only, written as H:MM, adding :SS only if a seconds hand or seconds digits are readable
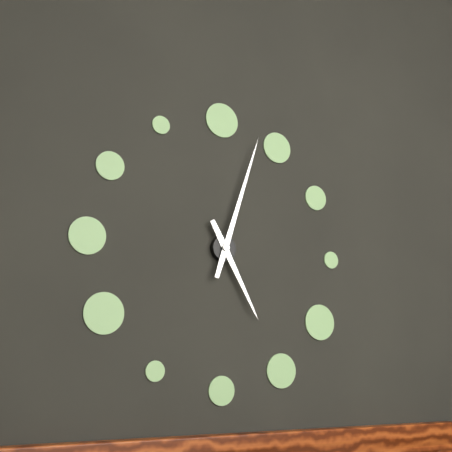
5:03
